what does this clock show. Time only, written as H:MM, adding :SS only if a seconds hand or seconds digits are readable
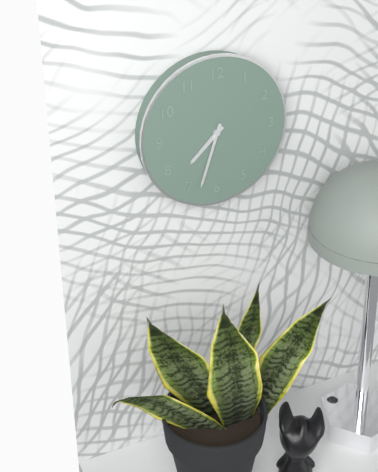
7:33
